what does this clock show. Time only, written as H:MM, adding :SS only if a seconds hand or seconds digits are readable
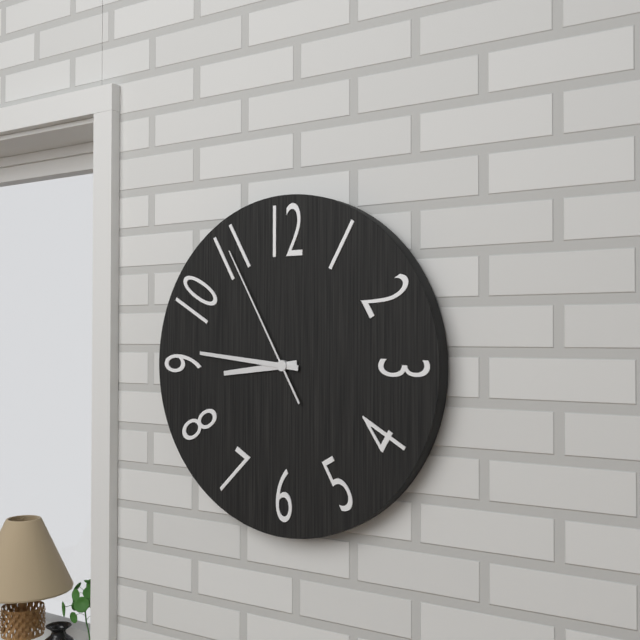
8:46:55
